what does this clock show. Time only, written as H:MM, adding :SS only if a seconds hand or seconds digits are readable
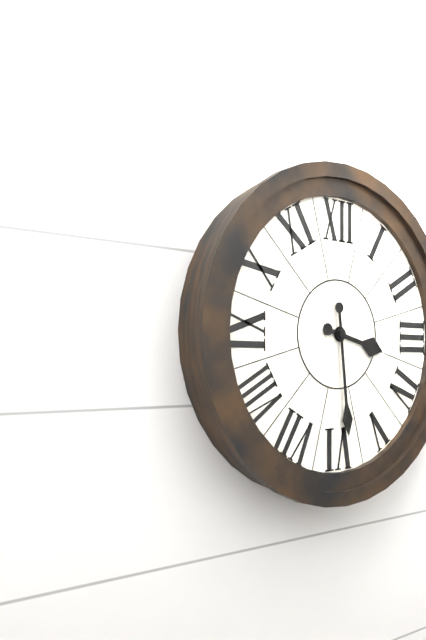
3:29
